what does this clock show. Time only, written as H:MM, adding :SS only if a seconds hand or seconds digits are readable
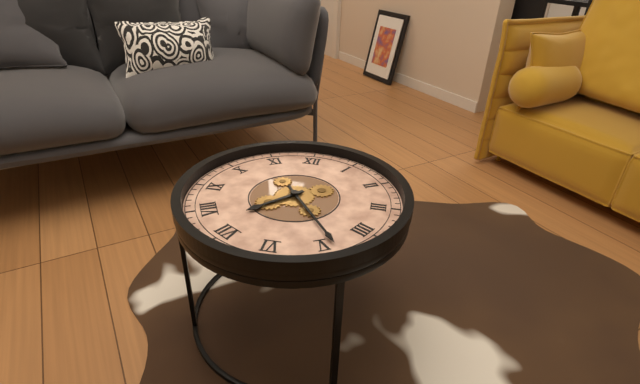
7:24
